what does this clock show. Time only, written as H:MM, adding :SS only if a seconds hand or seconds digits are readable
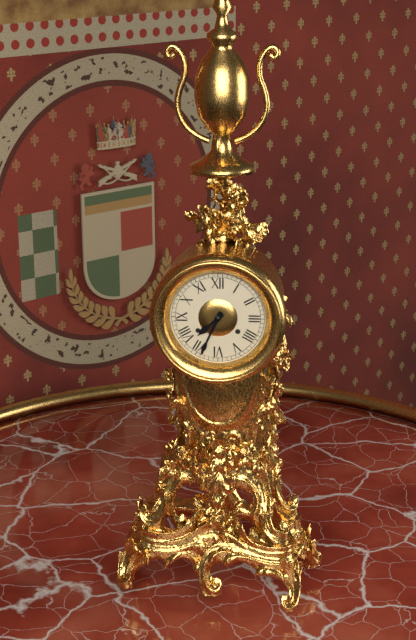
7:34
